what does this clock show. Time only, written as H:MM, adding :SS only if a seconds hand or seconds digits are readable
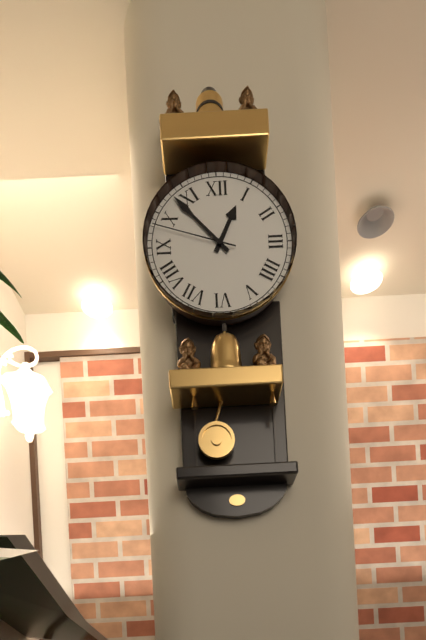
12:53:48
